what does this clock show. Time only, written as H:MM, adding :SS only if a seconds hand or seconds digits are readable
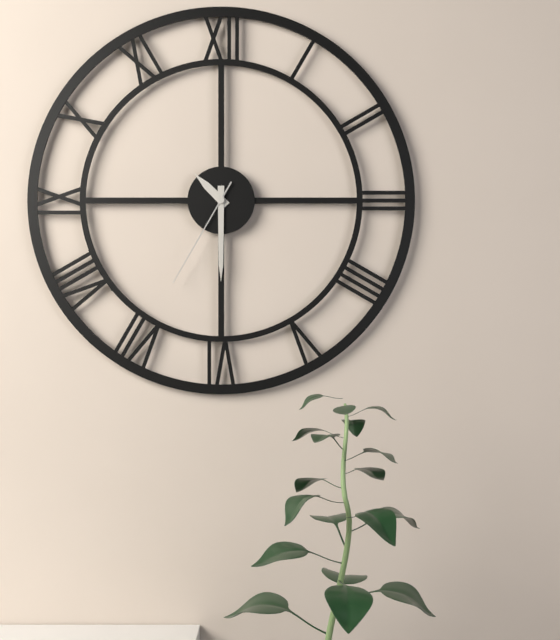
10:30:35
